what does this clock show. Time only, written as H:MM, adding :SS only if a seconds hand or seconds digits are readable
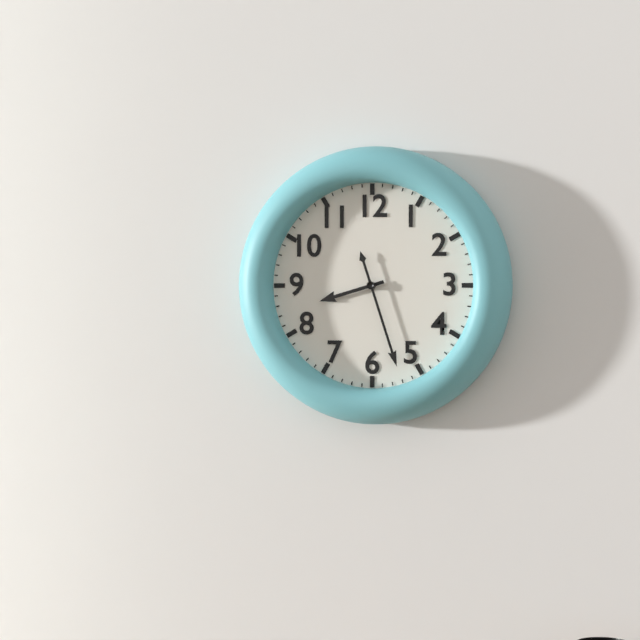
8:27
